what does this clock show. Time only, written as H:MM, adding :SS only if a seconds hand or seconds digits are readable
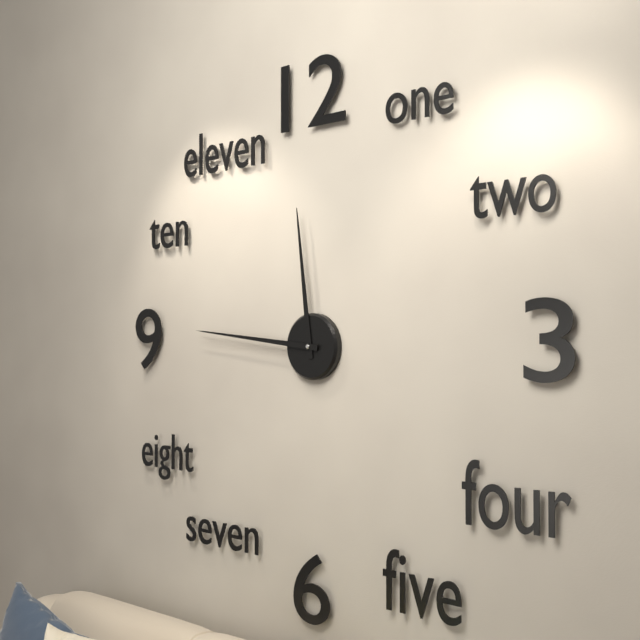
11:46
